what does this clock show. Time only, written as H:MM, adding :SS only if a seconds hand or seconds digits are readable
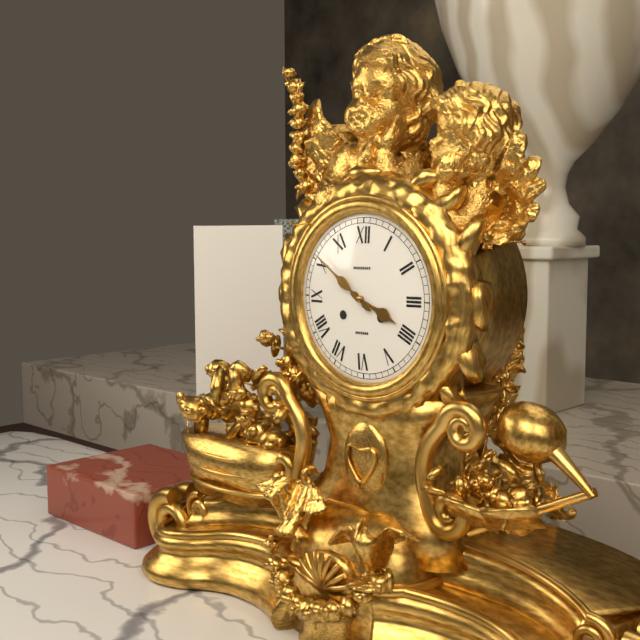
3:51
